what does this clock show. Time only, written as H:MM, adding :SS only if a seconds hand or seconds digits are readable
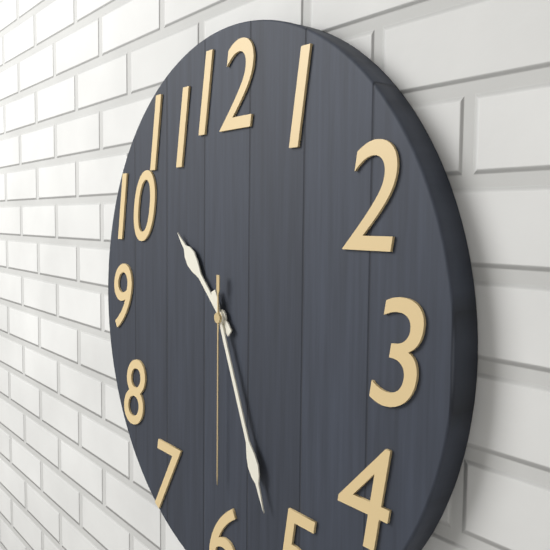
10:26:30
